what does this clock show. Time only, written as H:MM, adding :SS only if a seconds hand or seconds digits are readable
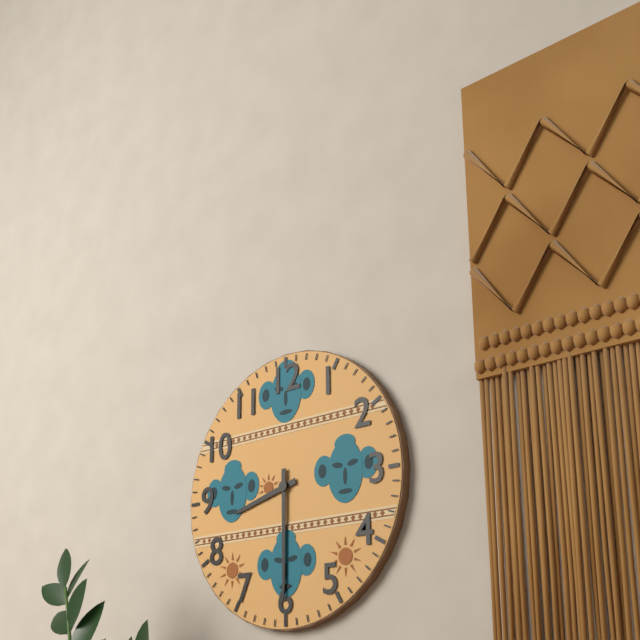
8:30
